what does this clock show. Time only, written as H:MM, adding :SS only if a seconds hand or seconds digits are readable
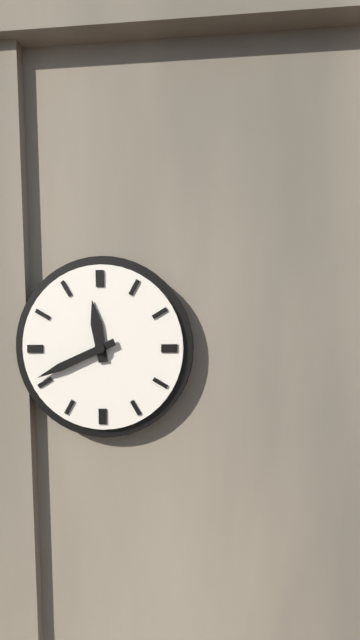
11:41
